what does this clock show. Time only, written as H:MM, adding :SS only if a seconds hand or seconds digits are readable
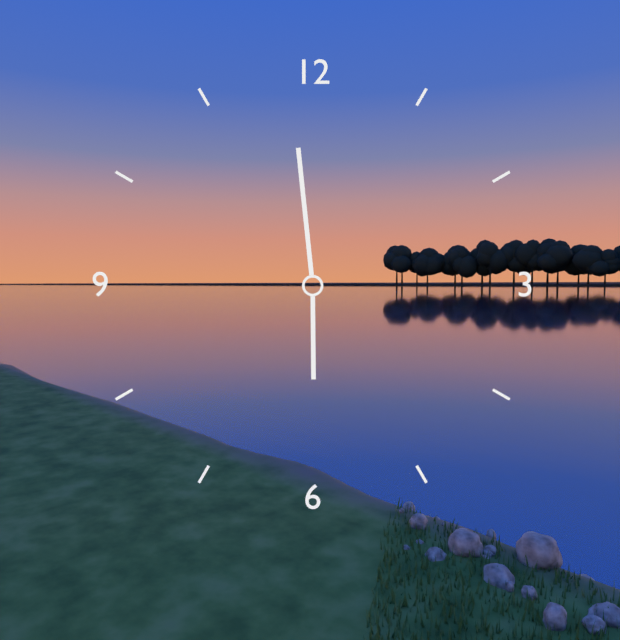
5:59
